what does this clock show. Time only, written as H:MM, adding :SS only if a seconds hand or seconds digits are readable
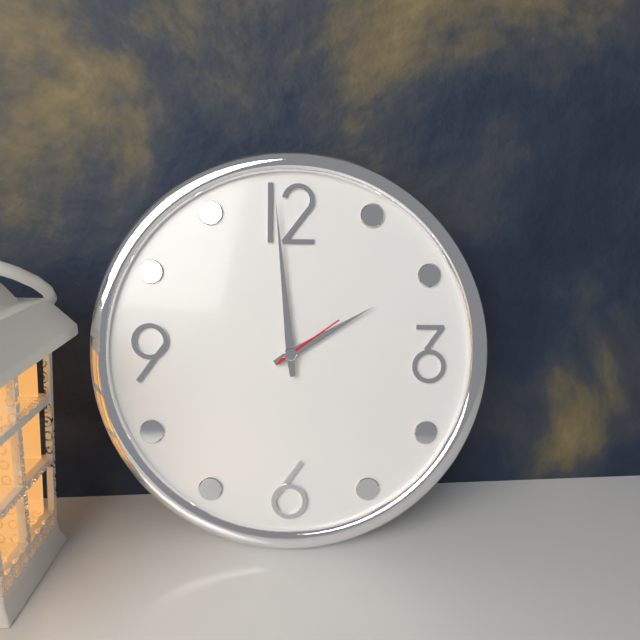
1:59:09
